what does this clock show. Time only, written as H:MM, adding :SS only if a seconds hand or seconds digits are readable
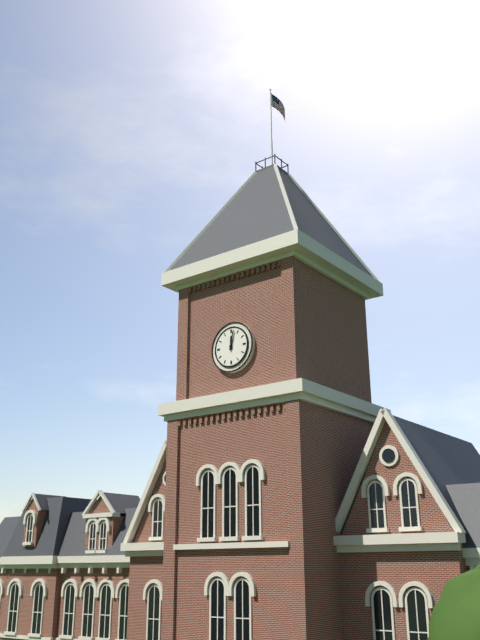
12:02
